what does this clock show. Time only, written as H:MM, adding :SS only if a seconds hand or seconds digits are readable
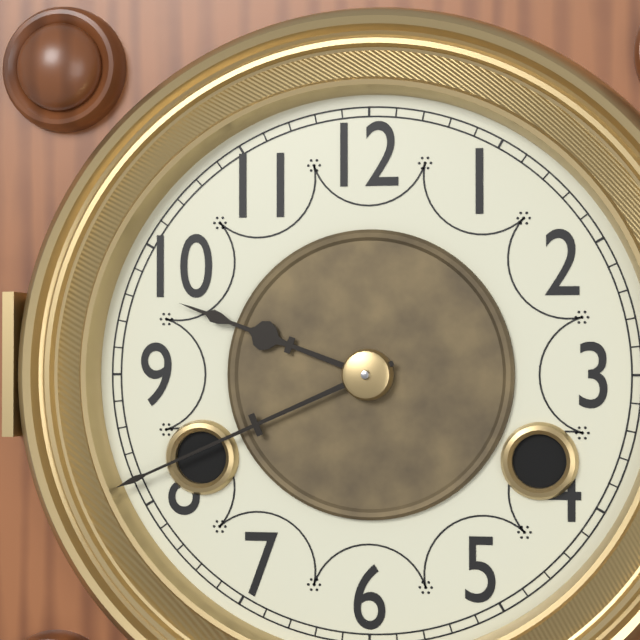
9:41
